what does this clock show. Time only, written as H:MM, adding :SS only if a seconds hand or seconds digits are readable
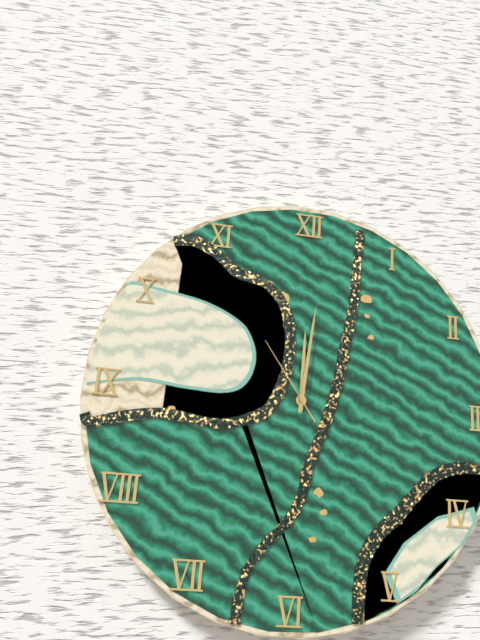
12:01:54
